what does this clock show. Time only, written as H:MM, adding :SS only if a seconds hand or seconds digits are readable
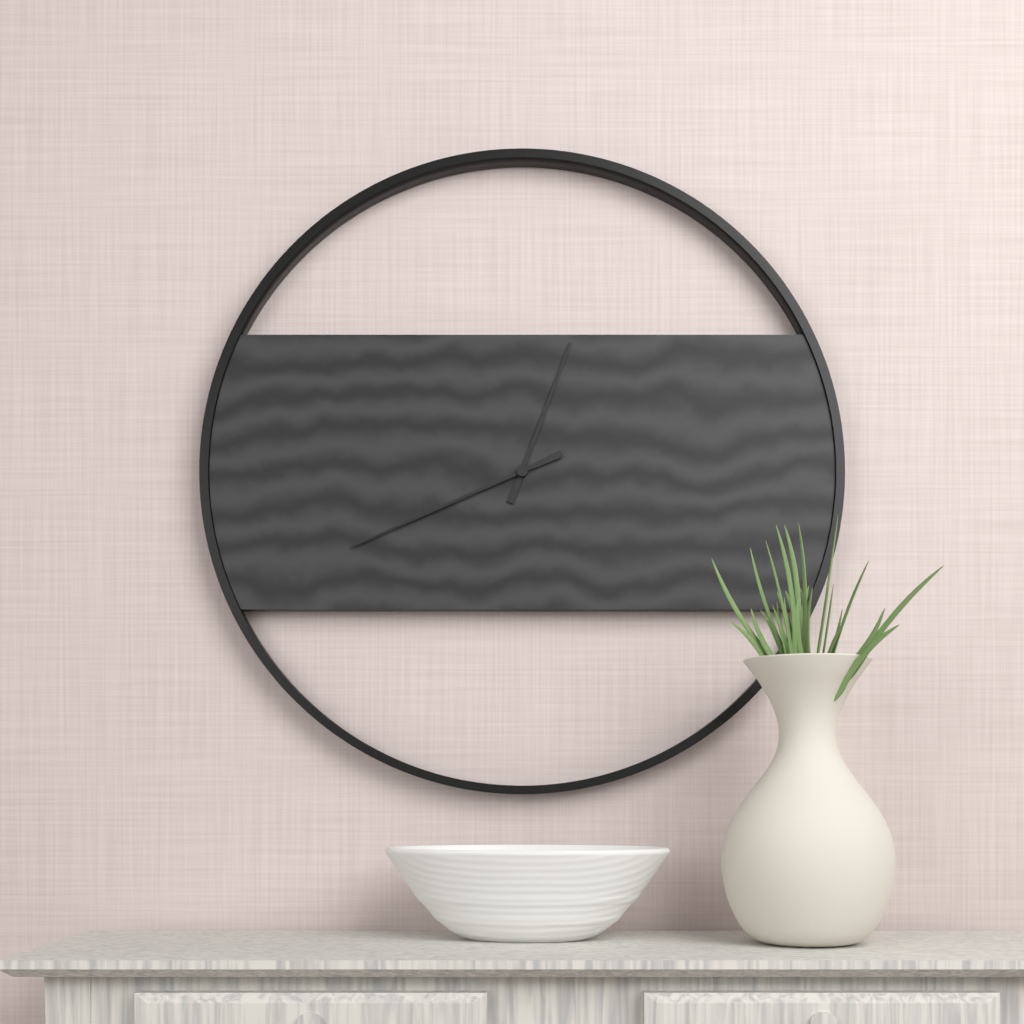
12:41
